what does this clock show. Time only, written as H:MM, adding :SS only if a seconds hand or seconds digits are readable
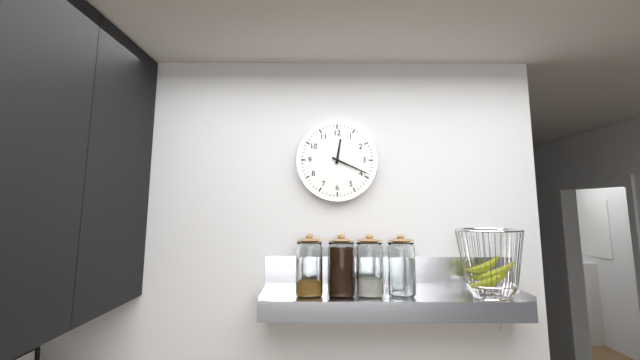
12:19
